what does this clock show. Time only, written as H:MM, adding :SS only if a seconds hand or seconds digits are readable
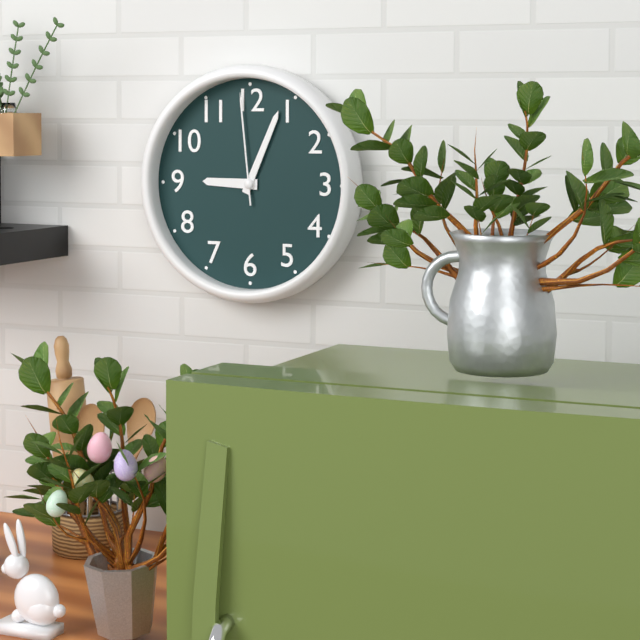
9:04:59
